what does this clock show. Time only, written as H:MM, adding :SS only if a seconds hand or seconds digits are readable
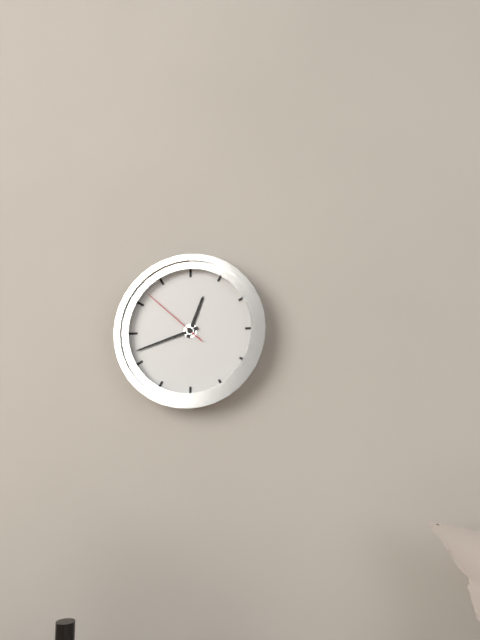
12:42:52
